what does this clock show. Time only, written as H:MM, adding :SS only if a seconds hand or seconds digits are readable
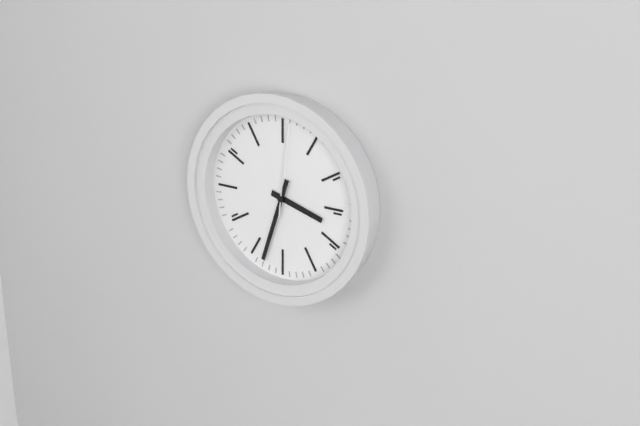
3:33:01
